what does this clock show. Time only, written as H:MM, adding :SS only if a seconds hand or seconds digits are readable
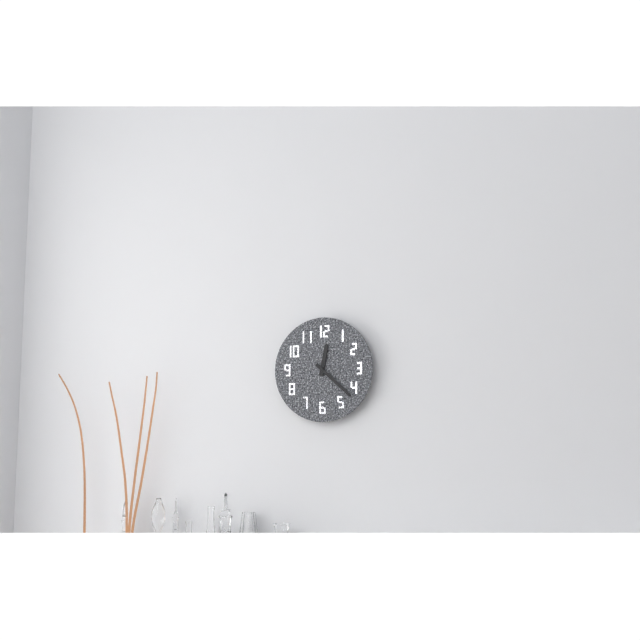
12:22
